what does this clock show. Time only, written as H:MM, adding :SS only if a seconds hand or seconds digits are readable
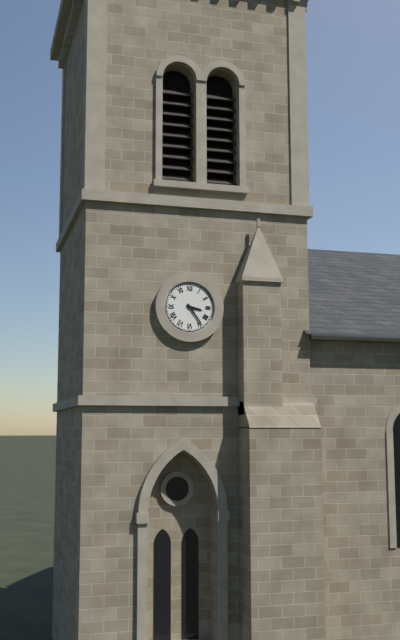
3:24
